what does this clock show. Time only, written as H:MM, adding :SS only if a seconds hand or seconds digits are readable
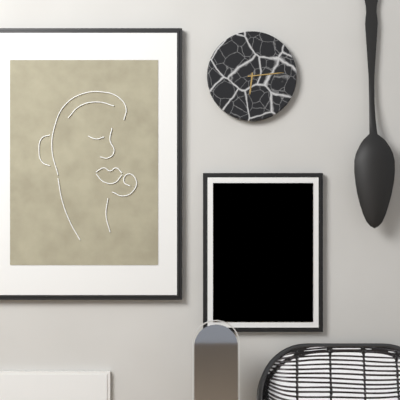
6:14
